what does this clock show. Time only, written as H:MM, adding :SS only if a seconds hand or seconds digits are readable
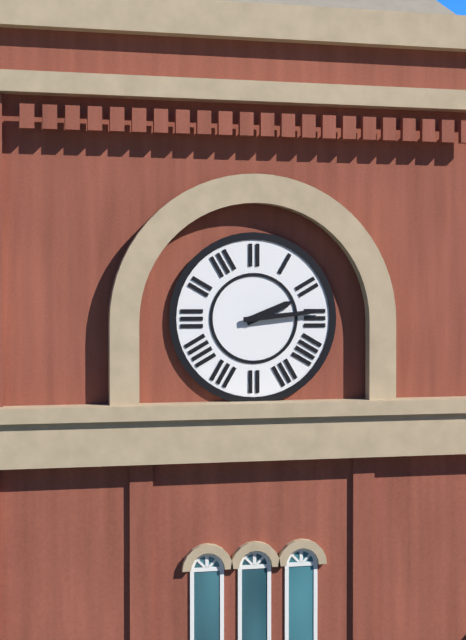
2:14
